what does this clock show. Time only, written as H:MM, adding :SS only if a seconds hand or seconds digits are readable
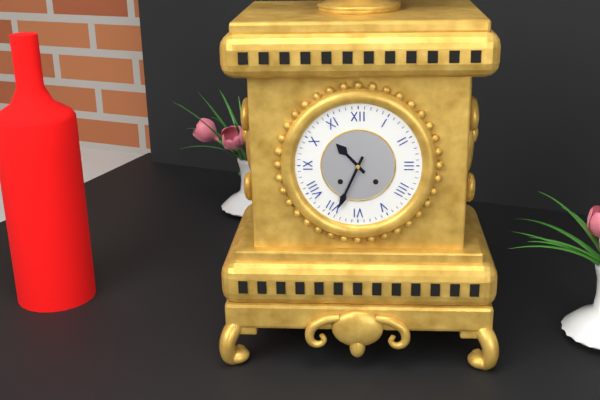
10:34
